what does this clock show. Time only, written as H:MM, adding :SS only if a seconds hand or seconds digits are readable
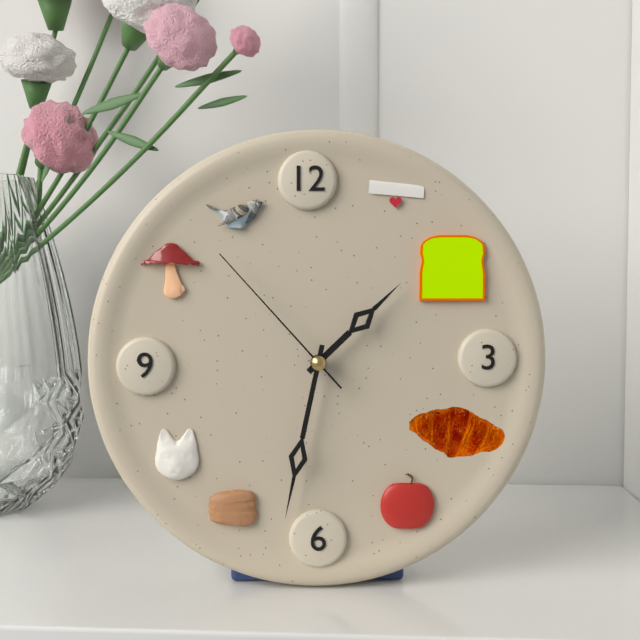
1:32:53
